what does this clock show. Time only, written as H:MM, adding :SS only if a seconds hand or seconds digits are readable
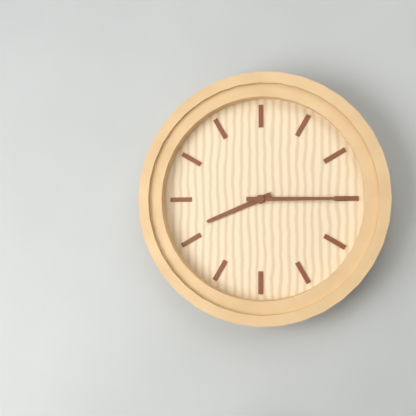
8:15
